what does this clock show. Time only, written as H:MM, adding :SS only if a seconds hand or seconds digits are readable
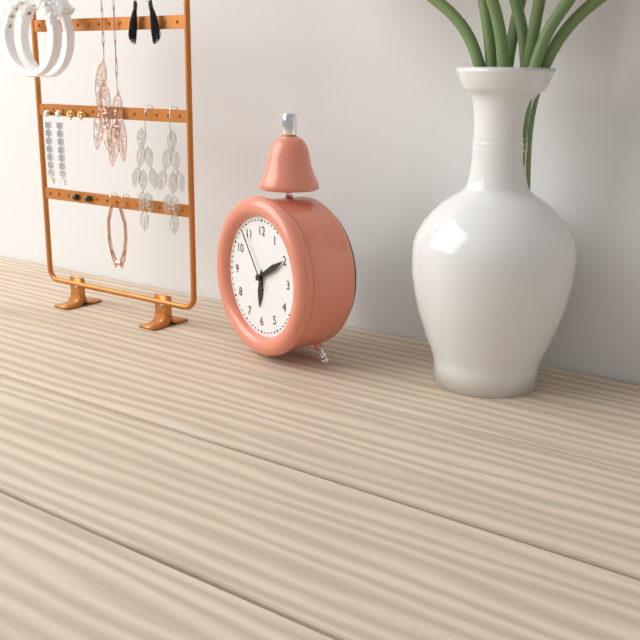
6:10:54
